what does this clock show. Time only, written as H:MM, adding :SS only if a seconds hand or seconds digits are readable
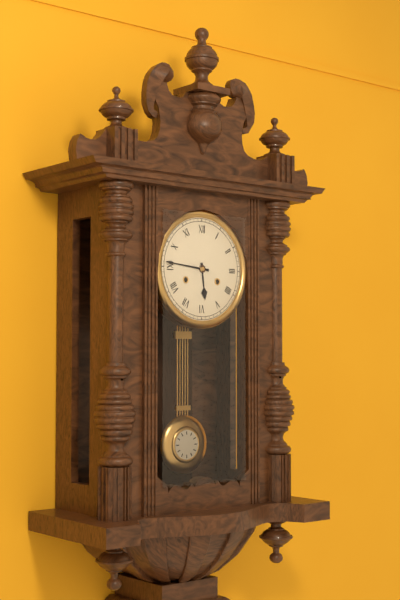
5:46
